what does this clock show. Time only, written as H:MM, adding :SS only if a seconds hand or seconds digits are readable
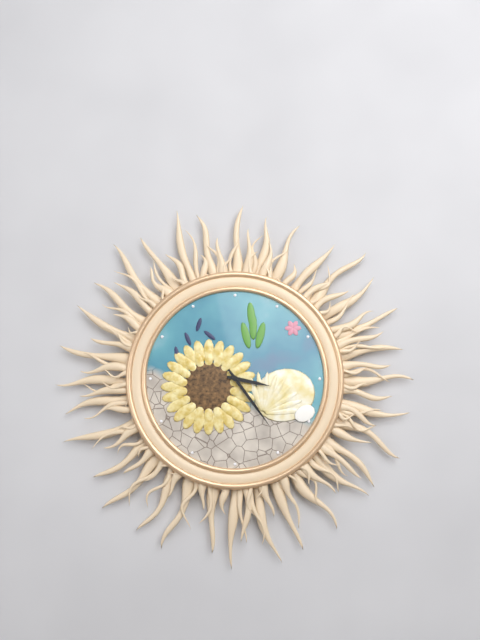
3:24
